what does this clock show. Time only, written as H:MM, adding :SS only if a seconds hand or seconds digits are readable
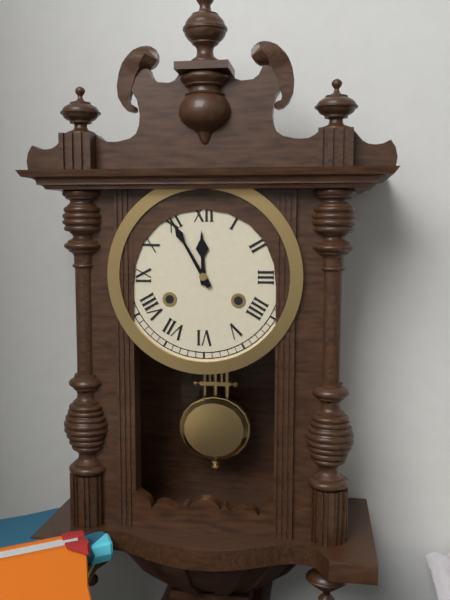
11:55
